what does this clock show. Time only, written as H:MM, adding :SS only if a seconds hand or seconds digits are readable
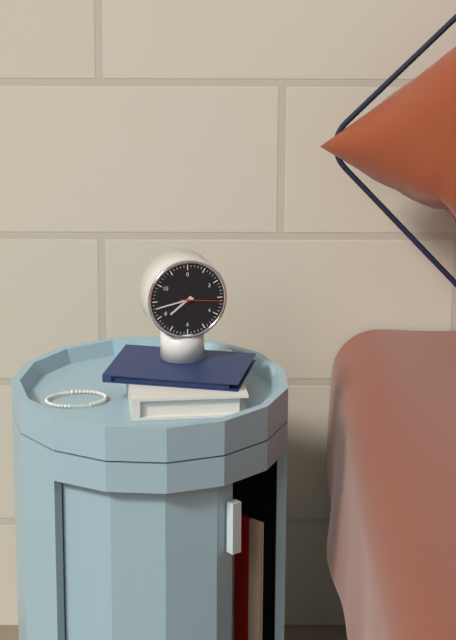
7:43
